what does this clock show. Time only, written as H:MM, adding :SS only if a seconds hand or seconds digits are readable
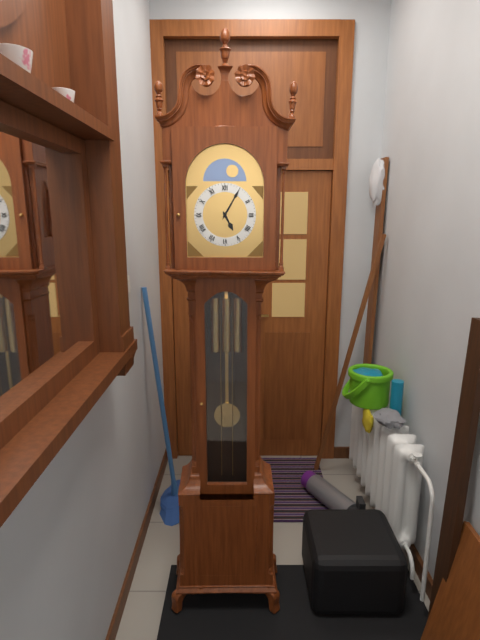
5:05
